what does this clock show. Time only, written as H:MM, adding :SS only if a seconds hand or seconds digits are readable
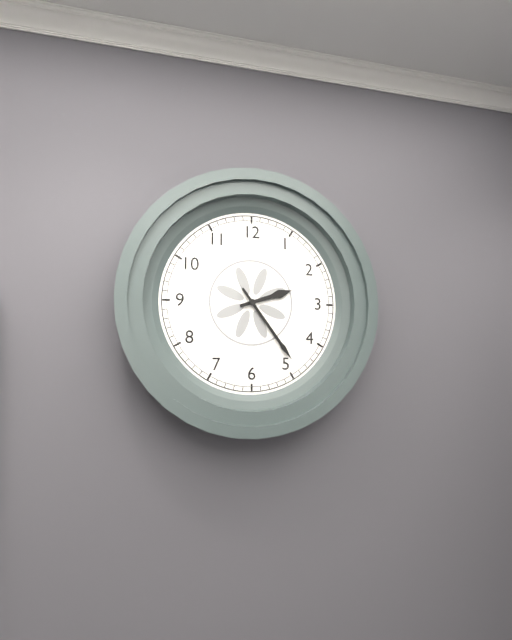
2:24
